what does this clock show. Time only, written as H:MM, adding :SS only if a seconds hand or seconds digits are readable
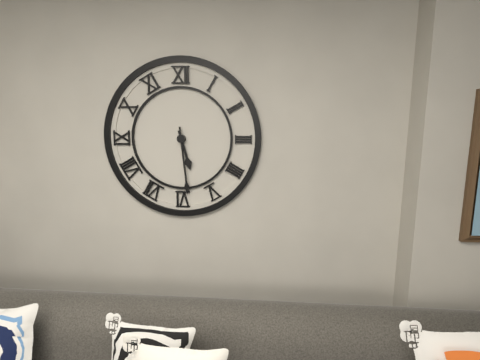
5:29
